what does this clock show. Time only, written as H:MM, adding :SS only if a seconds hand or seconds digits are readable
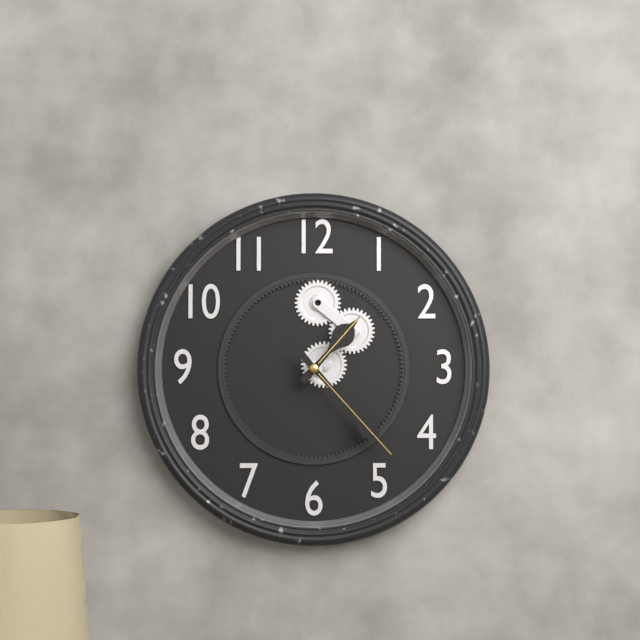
1:23
